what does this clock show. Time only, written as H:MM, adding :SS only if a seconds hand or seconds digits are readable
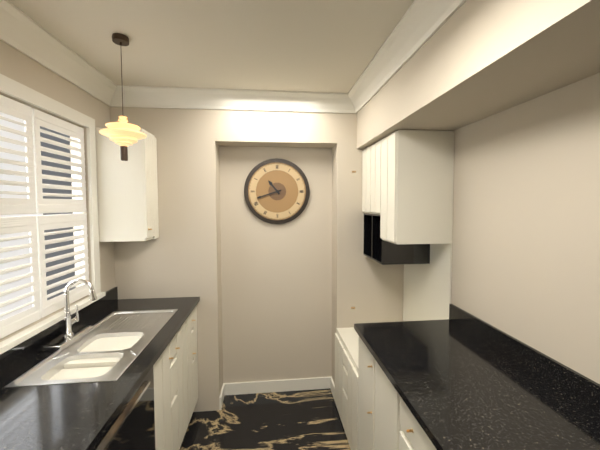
10:42
